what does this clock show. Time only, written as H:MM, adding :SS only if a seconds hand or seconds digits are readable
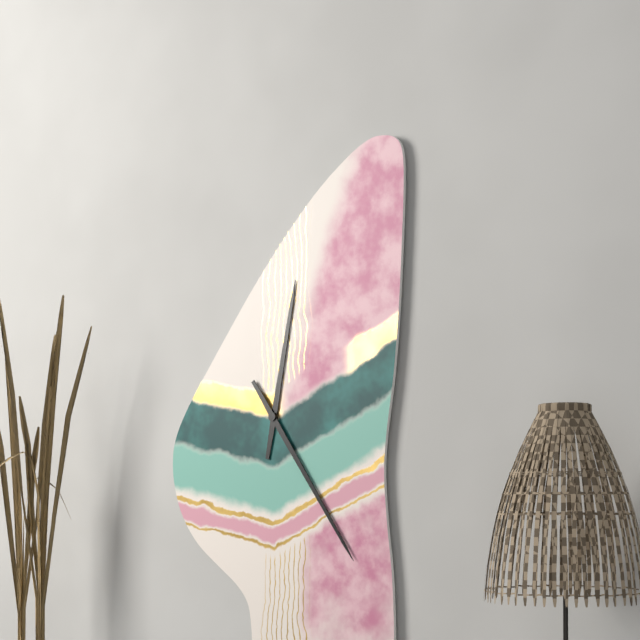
12:24
